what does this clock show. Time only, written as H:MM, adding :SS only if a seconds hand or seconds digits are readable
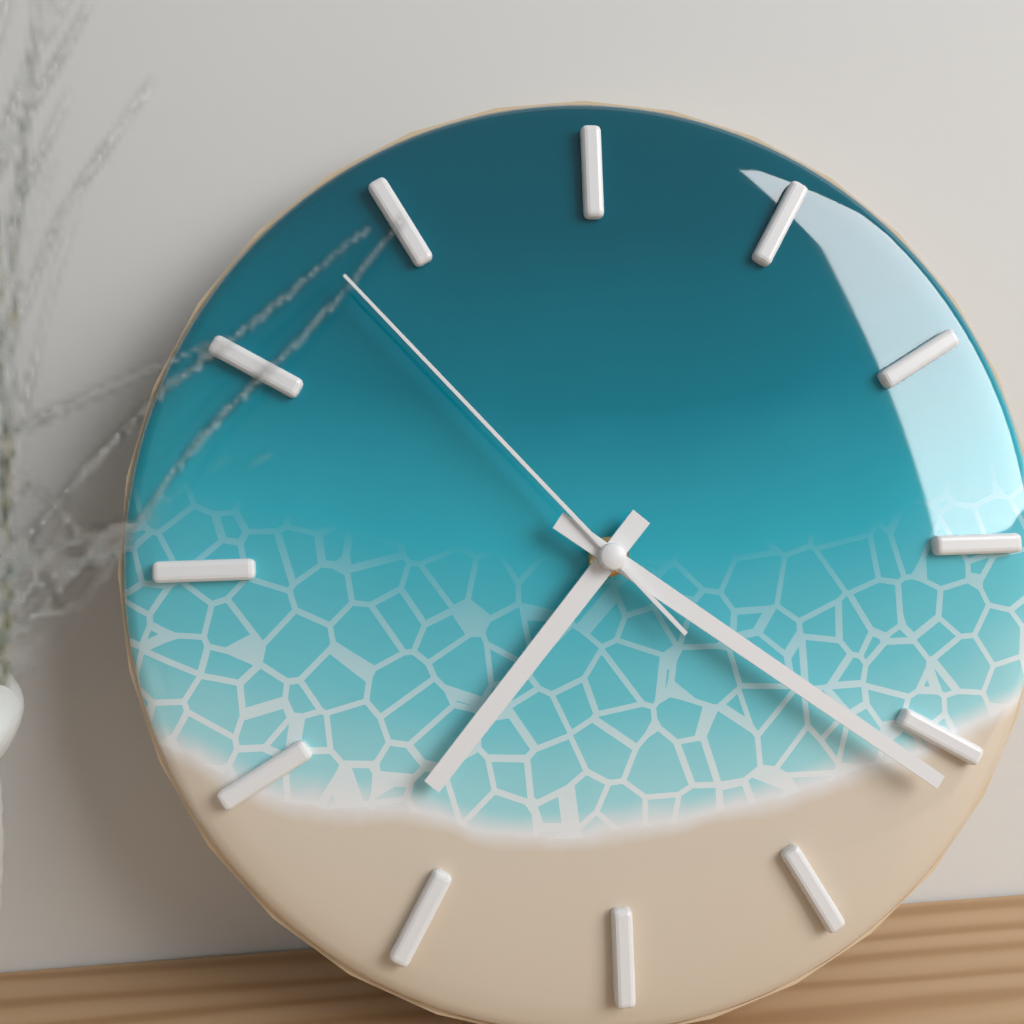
7:21:53
